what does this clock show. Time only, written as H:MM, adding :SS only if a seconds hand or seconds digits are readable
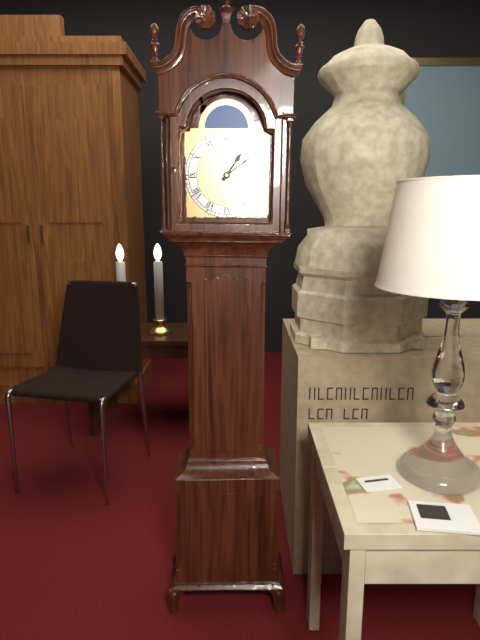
1:09
